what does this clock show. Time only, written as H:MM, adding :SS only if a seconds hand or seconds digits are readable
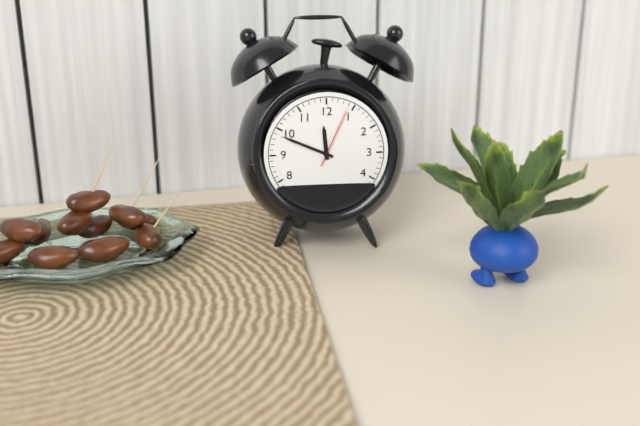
11:49:04
